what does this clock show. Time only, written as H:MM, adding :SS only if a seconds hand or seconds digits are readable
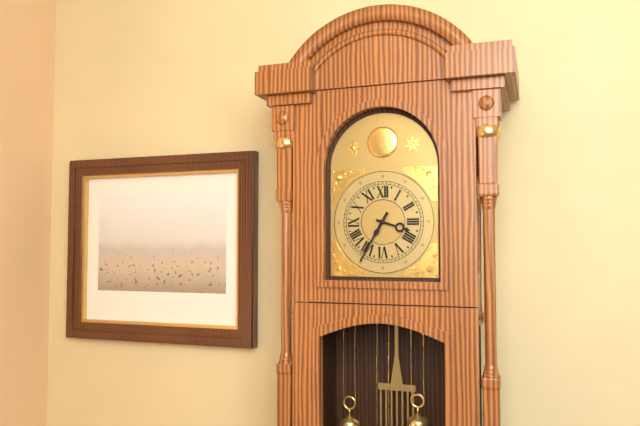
3:35
